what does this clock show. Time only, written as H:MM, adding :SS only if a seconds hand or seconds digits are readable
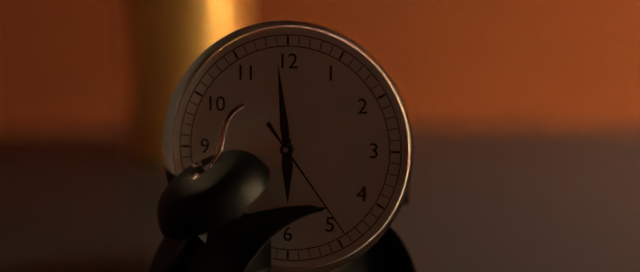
5:59:24
